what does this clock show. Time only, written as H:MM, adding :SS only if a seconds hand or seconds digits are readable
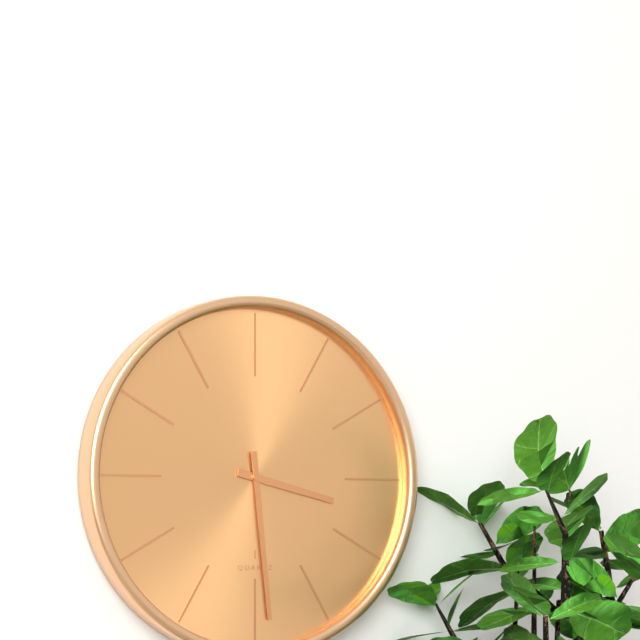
3:29
